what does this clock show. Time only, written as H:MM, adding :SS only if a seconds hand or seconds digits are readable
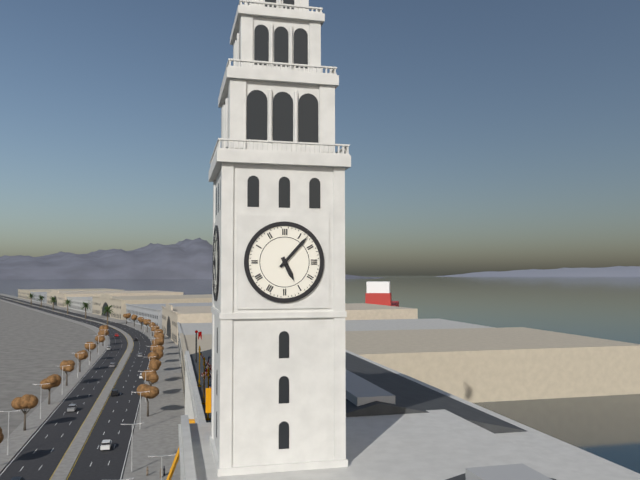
5:07
